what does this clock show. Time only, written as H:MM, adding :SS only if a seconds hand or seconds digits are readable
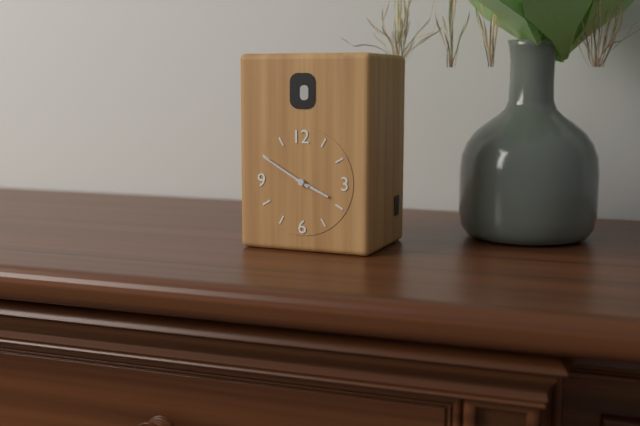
3:50
